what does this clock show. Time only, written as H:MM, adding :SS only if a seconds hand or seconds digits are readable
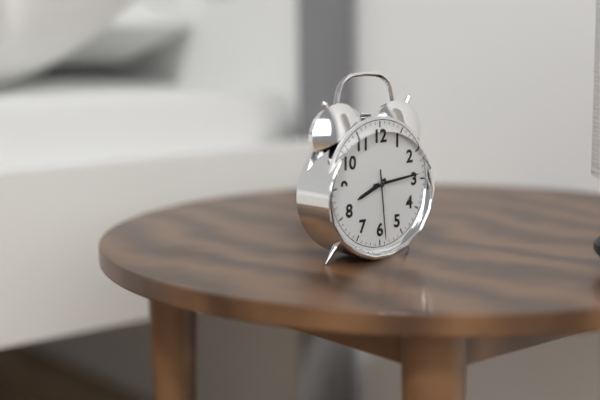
8:14:29
